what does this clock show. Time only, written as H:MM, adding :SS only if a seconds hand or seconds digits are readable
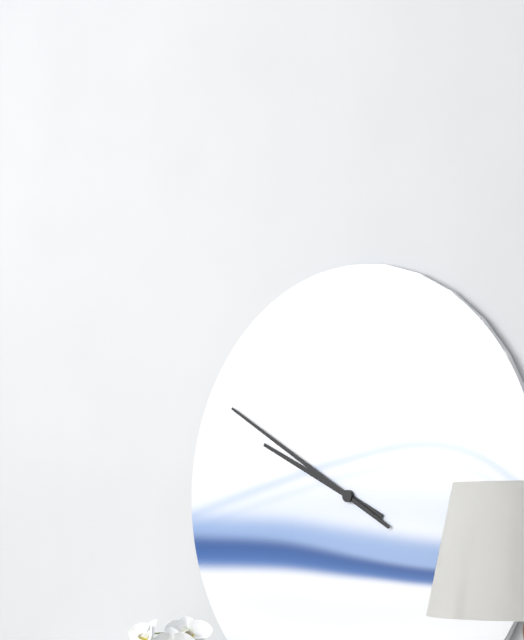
9:50
